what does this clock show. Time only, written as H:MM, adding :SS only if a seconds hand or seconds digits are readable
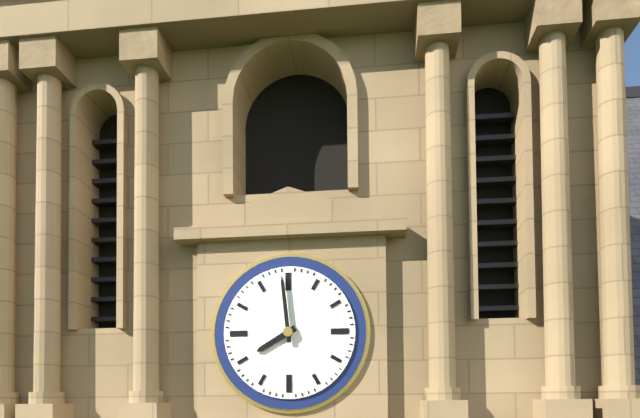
7:59
